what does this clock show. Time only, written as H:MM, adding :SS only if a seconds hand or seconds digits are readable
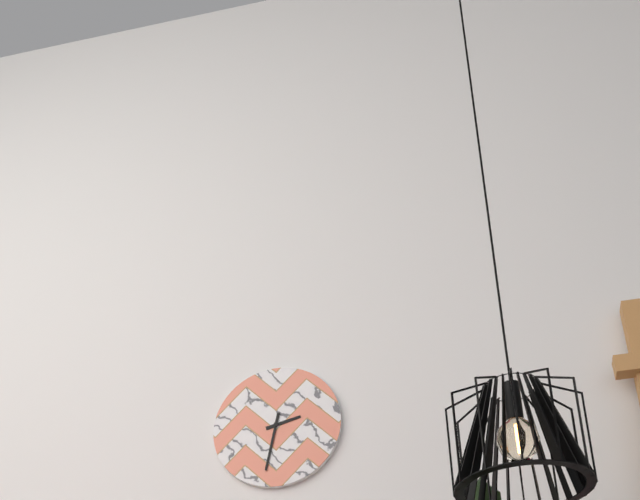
2:32
